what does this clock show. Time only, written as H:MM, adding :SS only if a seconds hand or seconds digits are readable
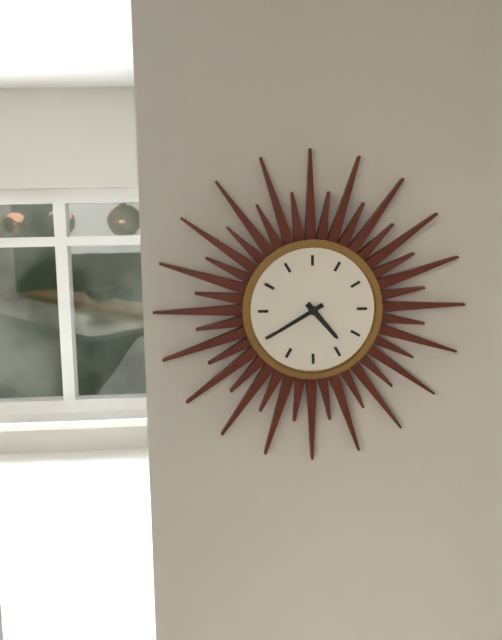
4:40
